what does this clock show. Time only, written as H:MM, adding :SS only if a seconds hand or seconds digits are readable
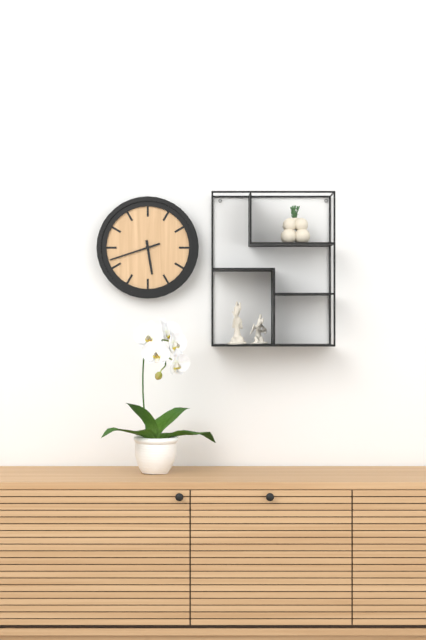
5:42
